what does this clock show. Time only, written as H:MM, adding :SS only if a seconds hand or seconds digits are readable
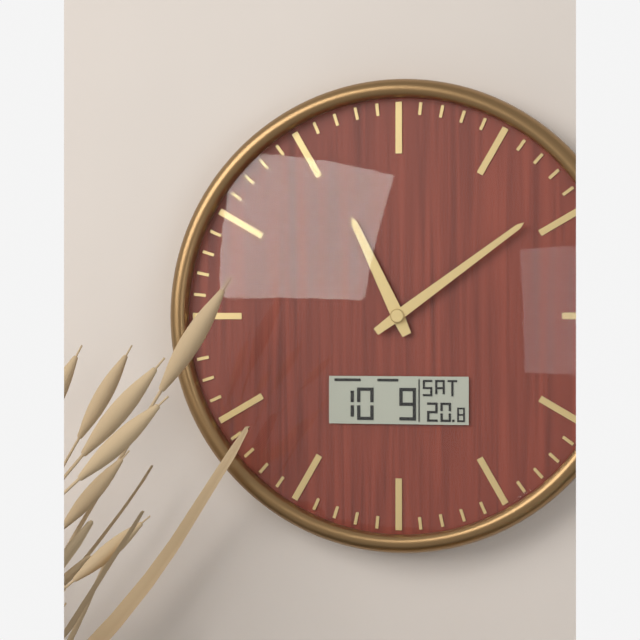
11:09
